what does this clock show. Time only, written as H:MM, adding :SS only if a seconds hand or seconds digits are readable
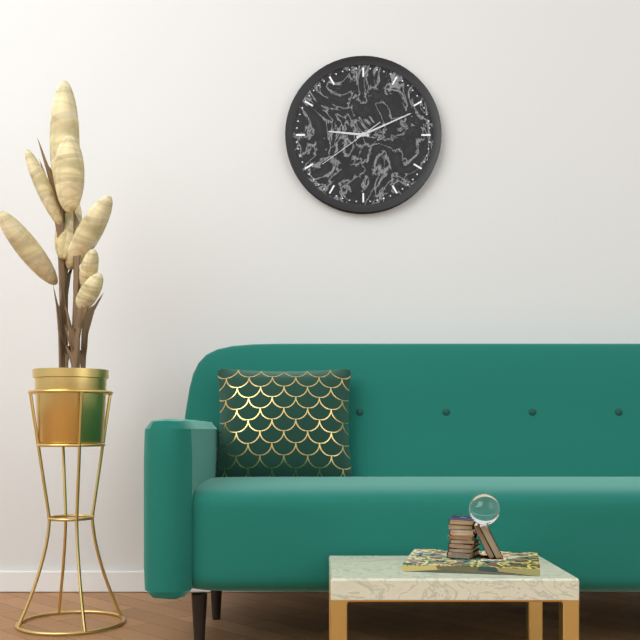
9:11:39
